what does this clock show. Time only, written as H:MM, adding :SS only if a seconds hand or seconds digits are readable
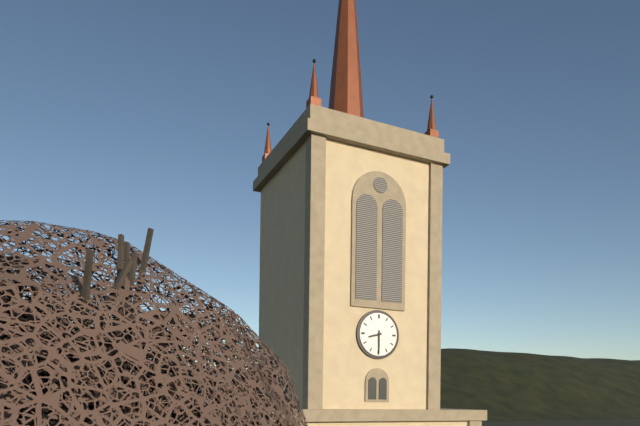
8:30
